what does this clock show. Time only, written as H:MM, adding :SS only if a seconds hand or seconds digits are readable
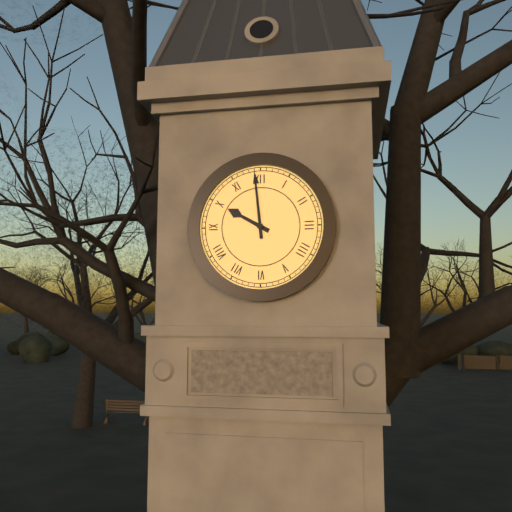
9:59
